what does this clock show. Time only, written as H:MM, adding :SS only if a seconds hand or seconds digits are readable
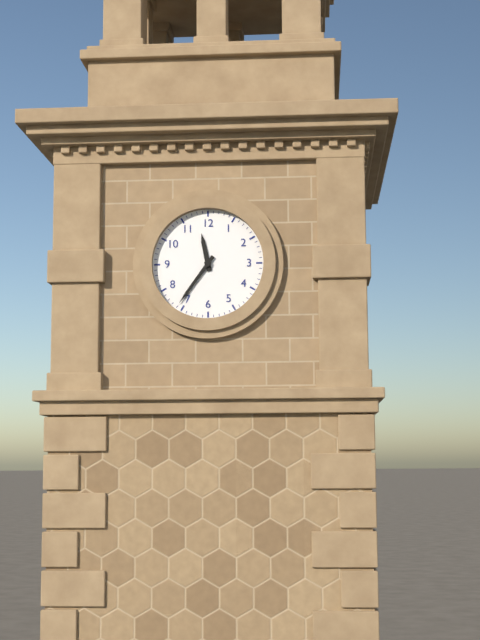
11:36
